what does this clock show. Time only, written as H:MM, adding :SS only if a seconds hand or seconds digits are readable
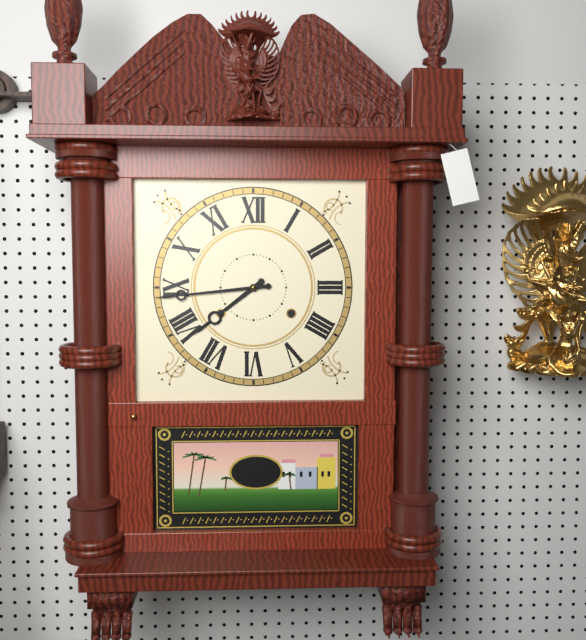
7:44
